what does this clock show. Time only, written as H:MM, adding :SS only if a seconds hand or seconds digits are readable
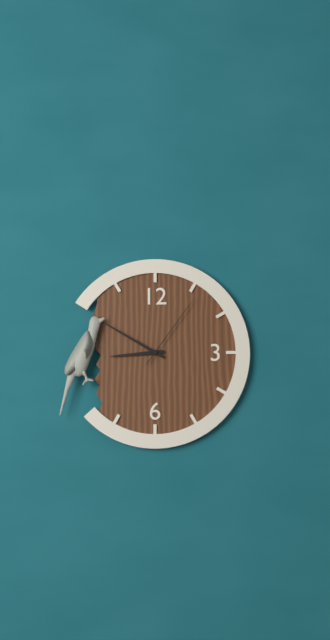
8:50:06
